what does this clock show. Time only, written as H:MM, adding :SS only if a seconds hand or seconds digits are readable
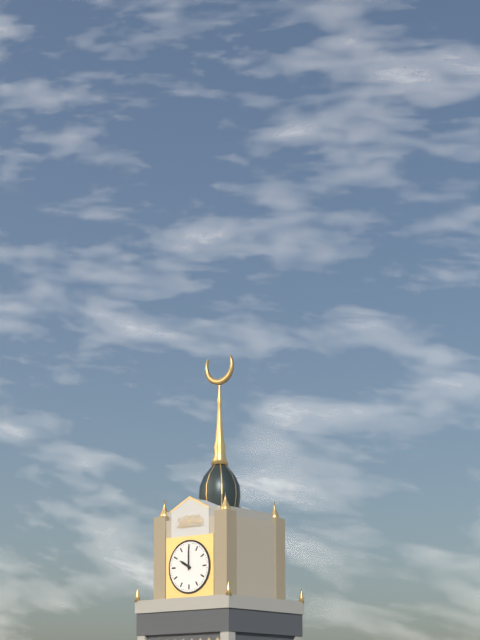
10:00
